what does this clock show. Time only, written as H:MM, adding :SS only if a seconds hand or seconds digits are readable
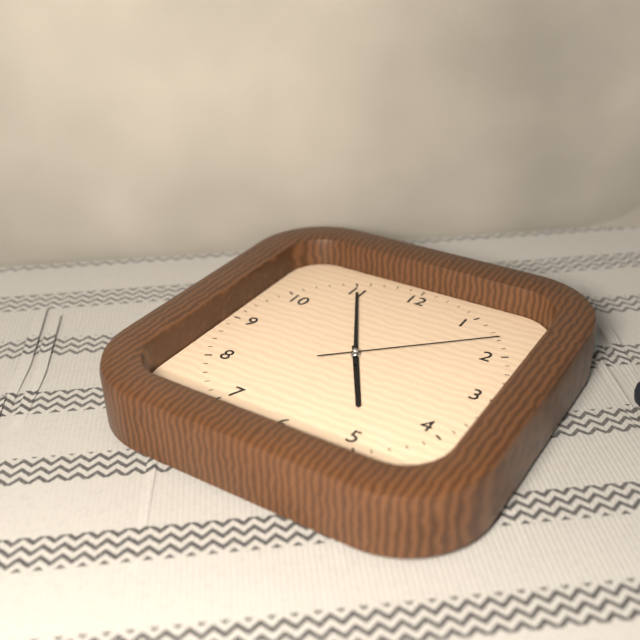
4:55:08
